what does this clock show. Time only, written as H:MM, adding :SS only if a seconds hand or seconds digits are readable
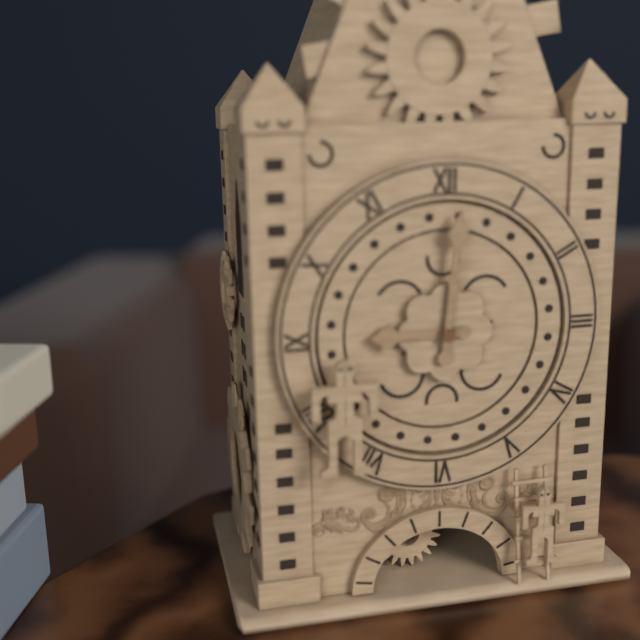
9:01
